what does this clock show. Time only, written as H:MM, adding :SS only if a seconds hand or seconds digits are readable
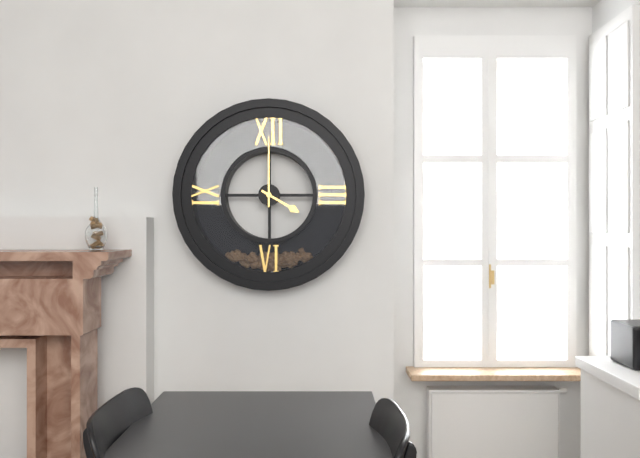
4:00
